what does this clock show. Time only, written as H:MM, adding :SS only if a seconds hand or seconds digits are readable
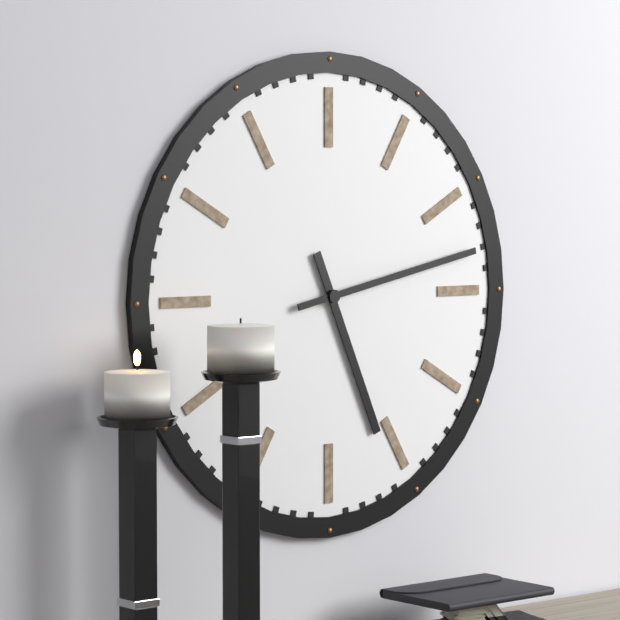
5:13
